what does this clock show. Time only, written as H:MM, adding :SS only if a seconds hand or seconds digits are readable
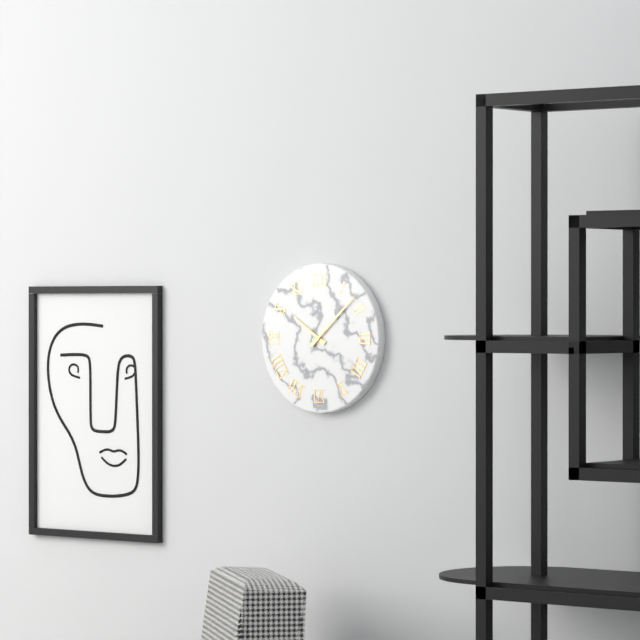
10:08
